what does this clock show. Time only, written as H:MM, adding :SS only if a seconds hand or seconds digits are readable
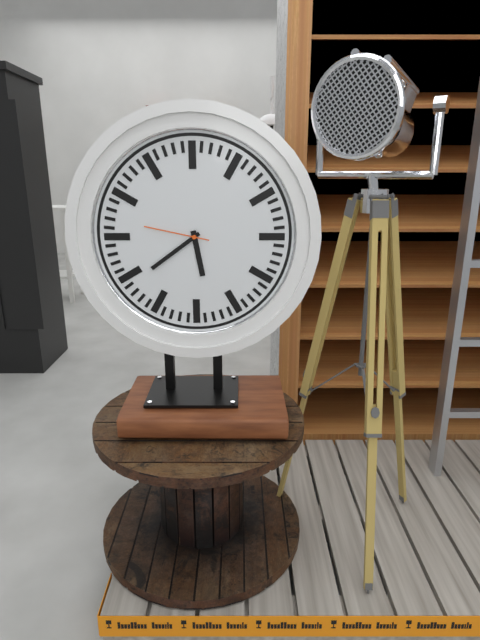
5:39:47
